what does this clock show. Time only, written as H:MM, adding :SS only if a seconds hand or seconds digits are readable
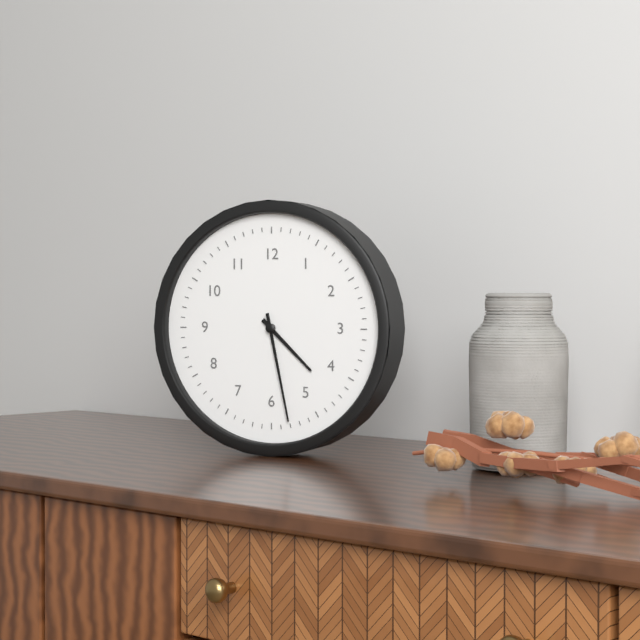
4:28
